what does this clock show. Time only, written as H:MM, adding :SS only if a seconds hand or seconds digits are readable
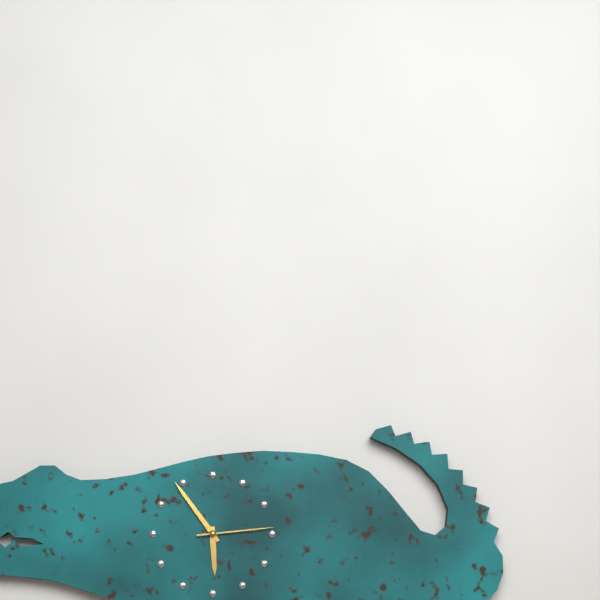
5:54:14
